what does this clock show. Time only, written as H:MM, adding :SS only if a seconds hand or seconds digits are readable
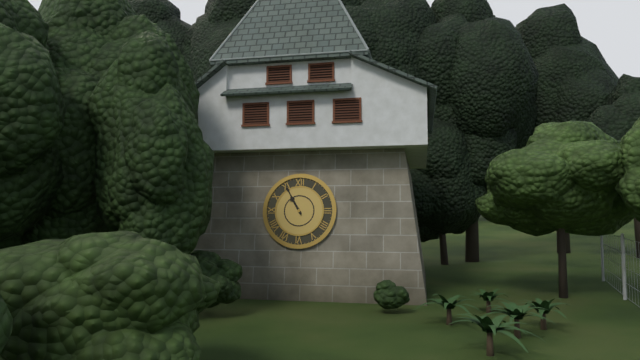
10:55
